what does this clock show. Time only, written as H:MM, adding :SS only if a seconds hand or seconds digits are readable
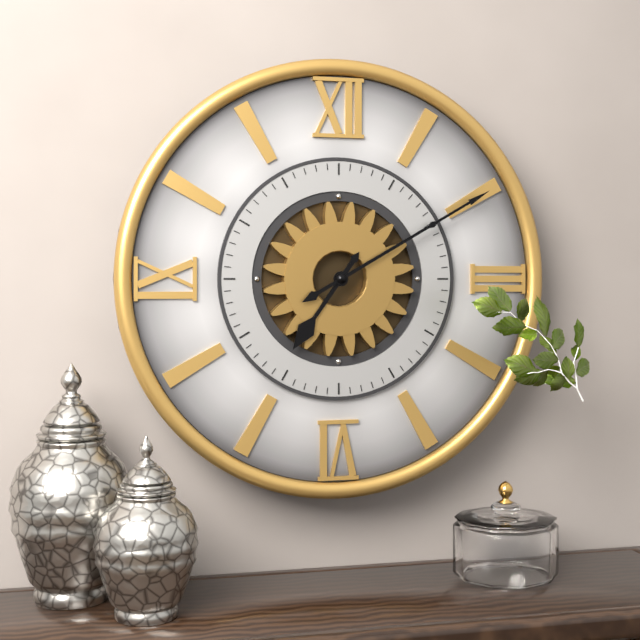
7:10
